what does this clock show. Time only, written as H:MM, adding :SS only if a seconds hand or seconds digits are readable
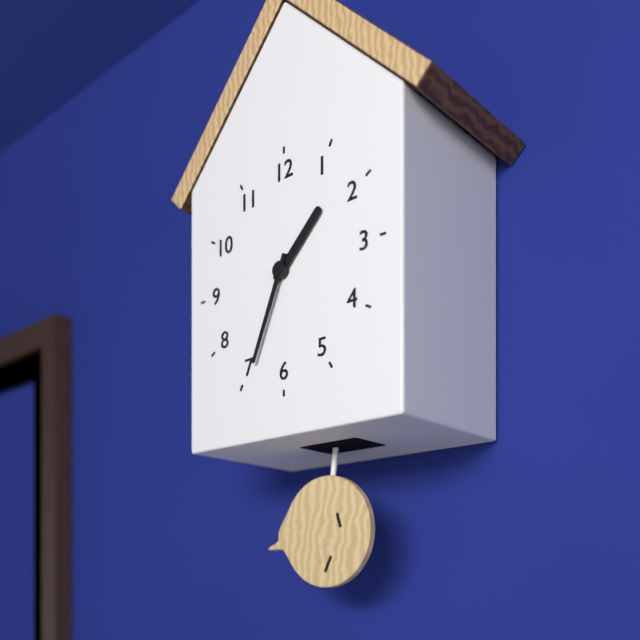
1:34
